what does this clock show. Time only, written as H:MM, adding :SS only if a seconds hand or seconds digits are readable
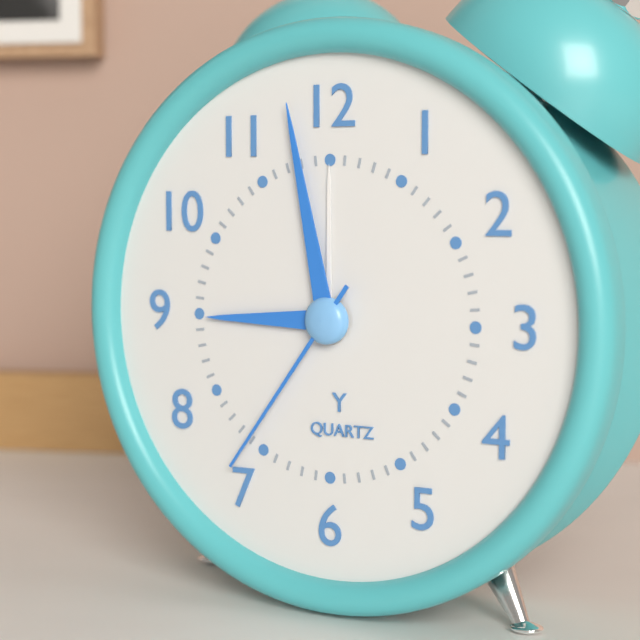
8:58:36
